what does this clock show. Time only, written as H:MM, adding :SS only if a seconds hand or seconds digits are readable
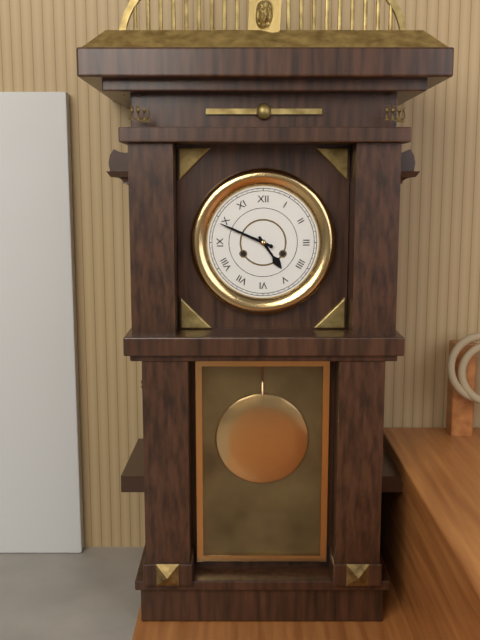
4:49
